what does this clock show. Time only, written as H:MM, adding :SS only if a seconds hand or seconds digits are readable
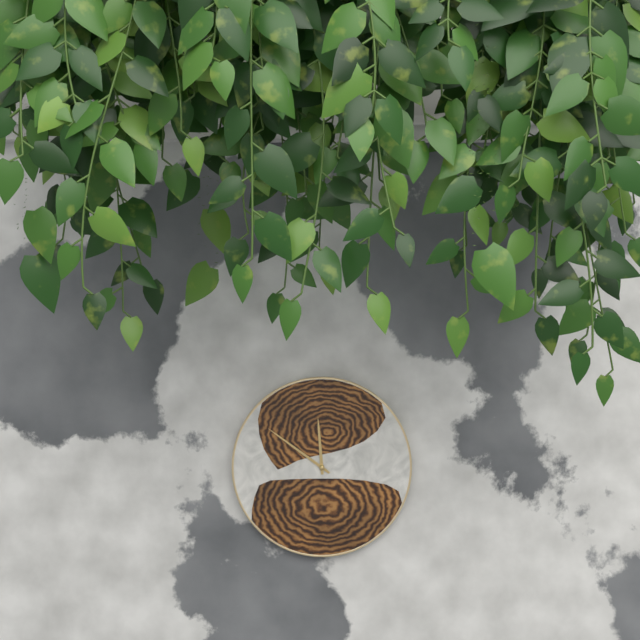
11:51
